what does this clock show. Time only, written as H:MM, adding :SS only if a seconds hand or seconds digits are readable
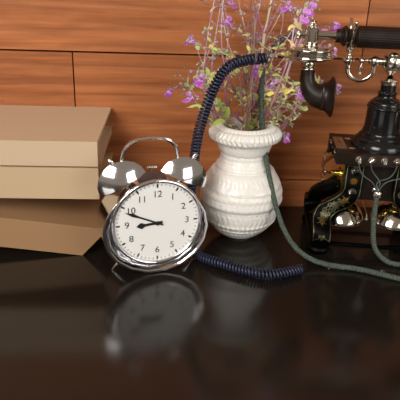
8:49
